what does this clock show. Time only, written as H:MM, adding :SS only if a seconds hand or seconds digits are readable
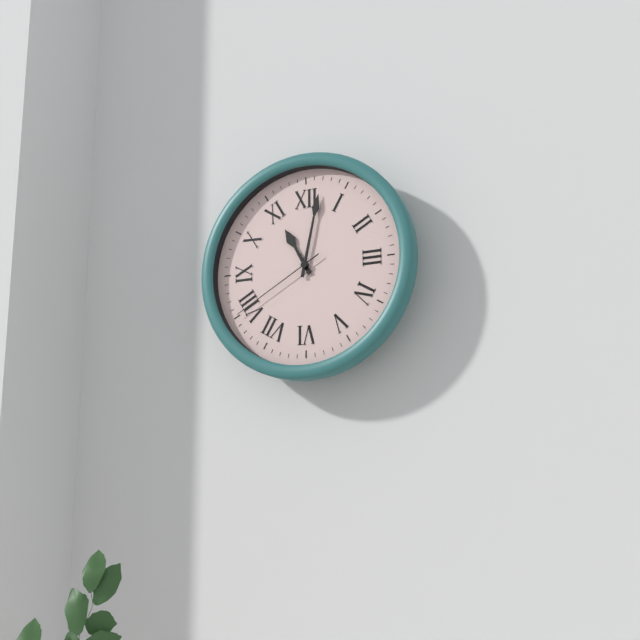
11:02:40
